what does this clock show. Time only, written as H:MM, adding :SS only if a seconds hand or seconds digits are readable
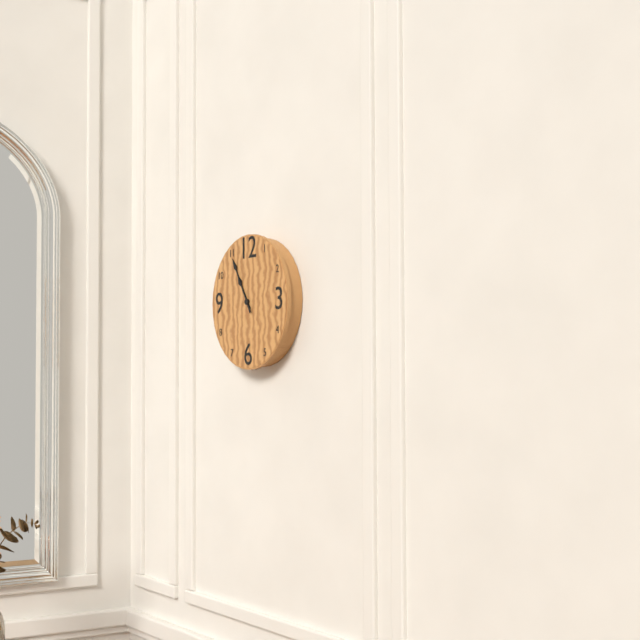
10:55
